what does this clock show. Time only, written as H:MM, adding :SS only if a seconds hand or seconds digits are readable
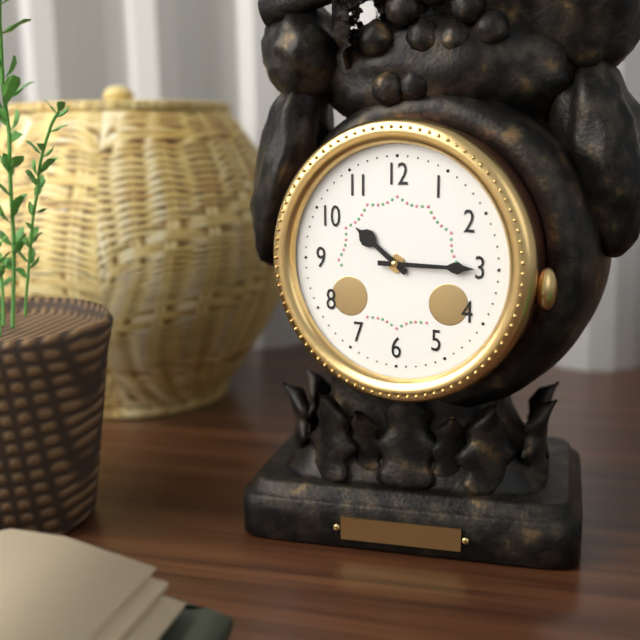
10:15
